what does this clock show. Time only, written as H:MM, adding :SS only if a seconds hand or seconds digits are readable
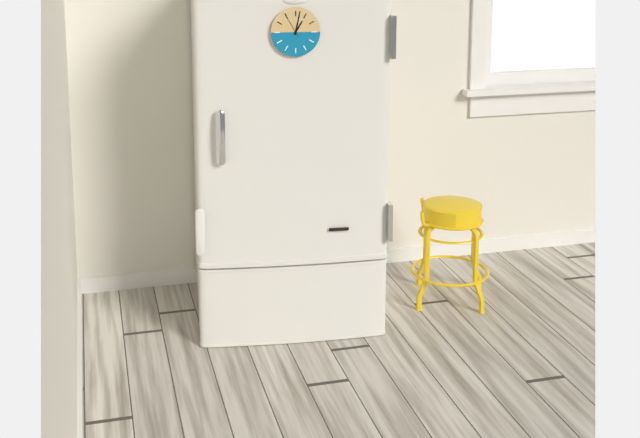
1:02
